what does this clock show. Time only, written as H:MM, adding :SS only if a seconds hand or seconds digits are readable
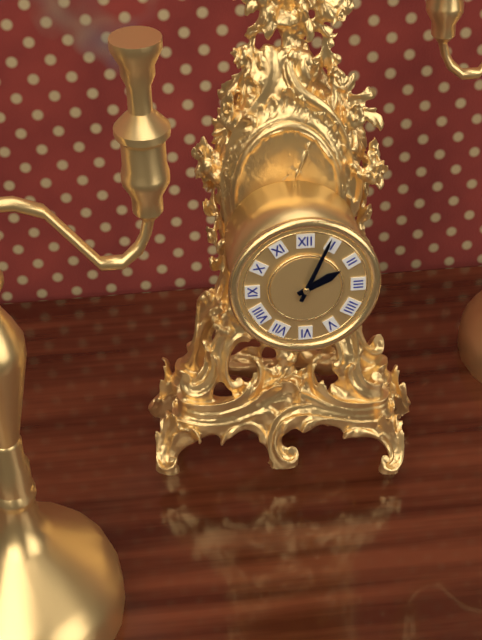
2:04
